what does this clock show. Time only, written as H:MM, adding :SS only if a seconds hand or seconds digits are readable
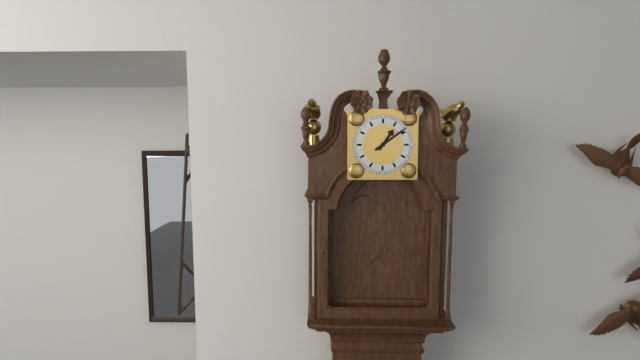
1:09
